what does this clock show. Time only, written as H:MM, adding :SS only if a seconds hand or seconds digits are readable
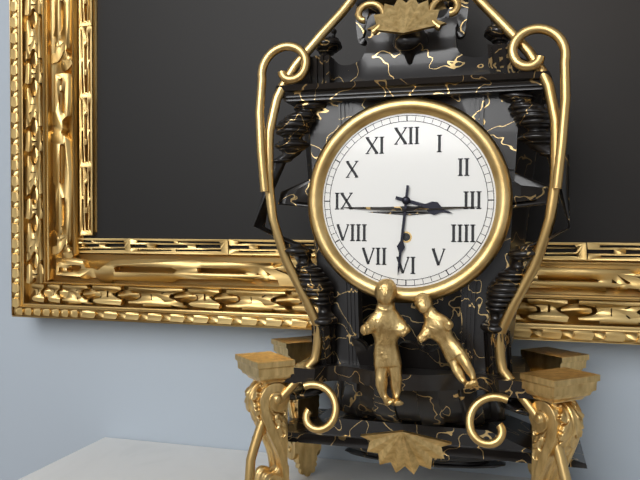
3:31
